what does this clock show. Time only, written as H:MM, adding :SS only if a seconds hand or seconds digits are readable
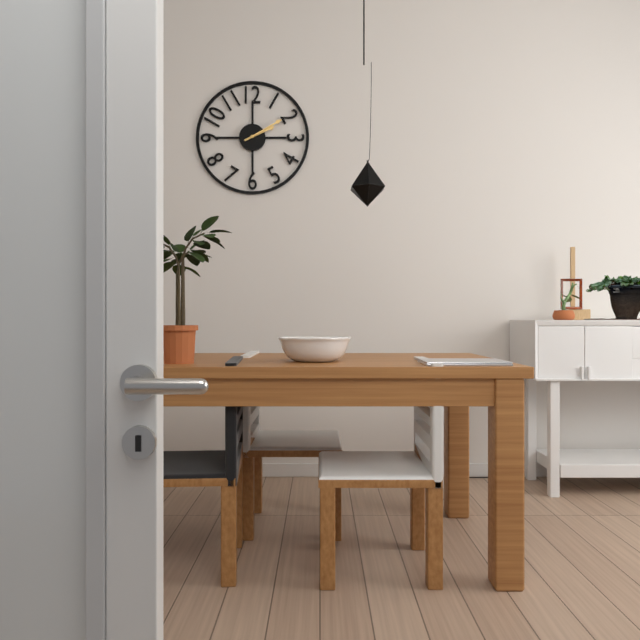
2:10
